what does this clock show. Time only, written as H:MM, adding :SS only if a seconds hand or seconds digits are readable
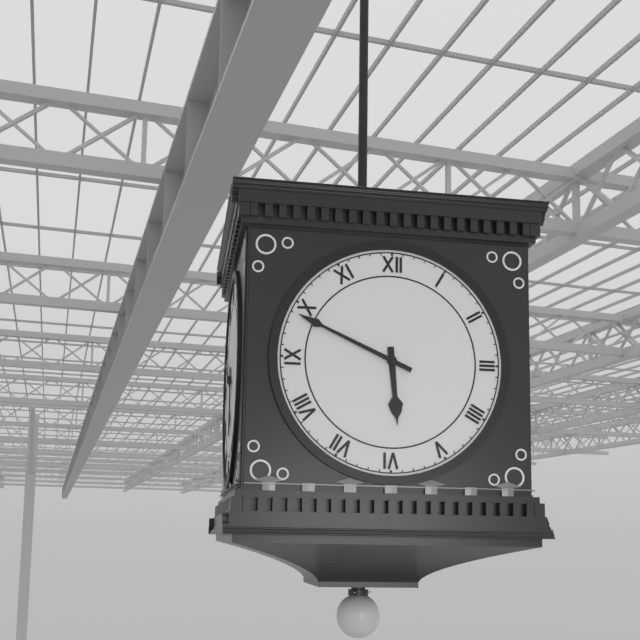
5:49
